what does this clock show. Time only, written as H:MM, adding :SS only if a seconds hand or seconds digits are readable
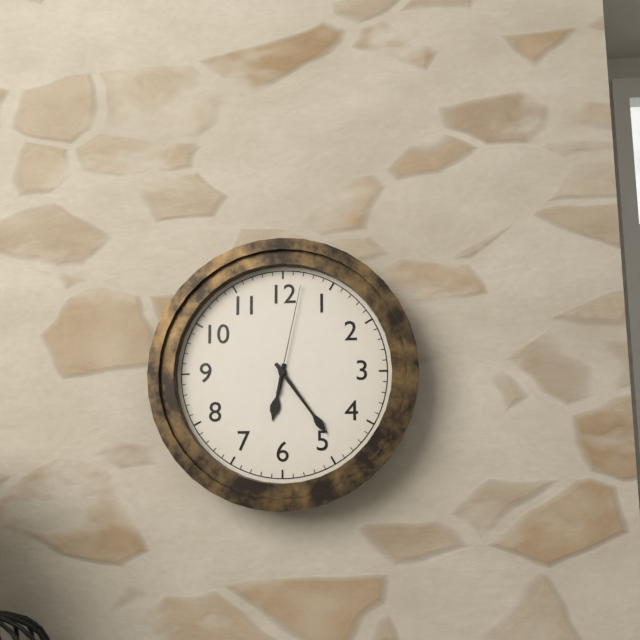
6:24:02
